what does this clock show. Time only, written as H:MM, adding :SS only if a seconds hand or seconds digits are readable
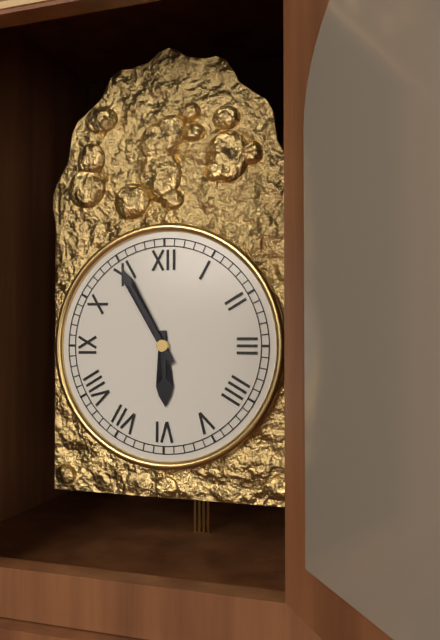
5:55
